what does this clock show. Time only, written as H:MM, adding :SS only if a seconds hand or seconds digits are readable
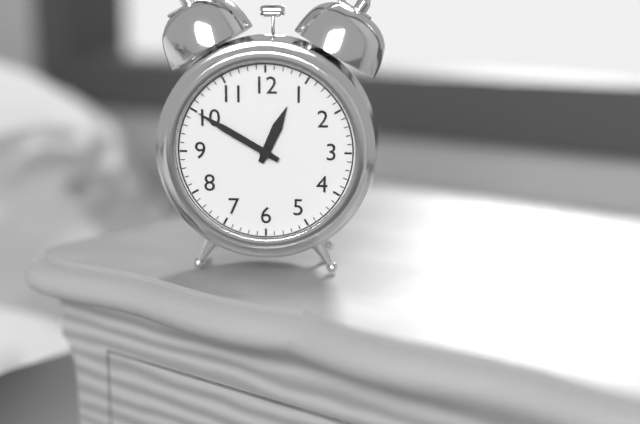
12:50
